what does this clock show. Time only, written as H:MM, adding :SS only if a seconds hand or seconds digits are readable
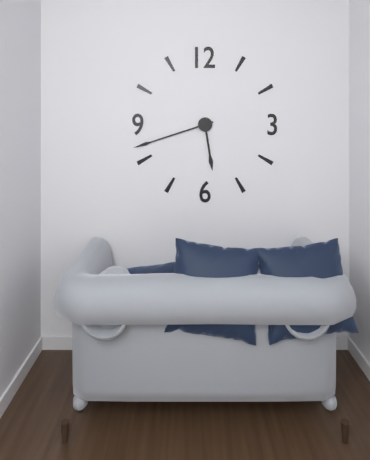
5:42
